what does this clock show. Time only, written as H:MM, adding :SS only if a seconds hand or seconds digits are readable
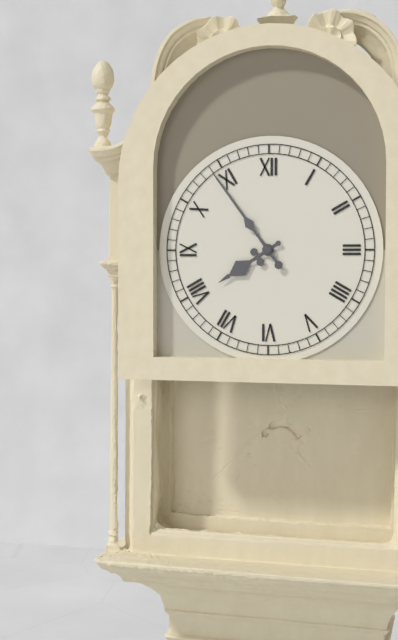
7:54
